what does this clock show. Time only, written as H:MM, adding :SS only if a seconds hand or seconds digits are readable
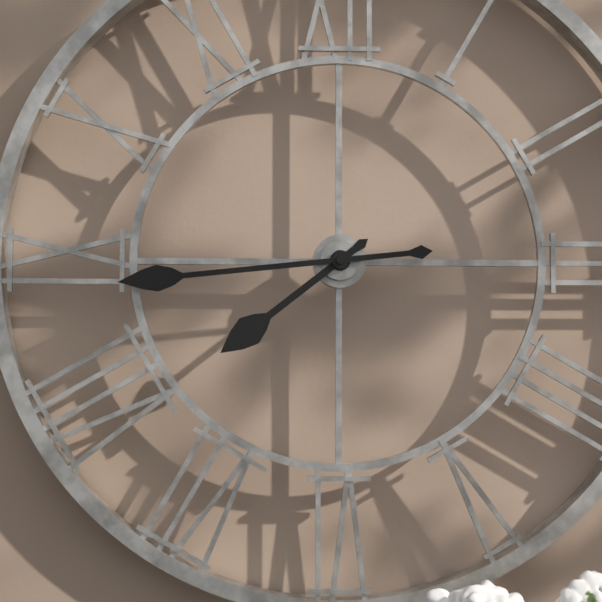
7:44
